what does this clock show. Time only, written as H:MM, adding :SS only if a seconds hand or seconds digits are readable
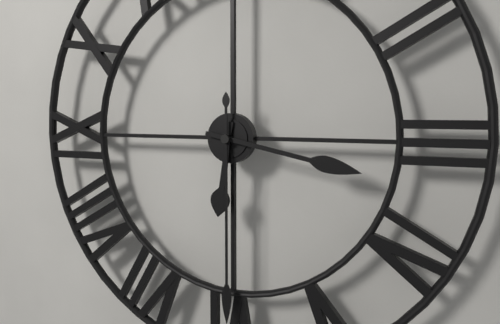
6:17:30
